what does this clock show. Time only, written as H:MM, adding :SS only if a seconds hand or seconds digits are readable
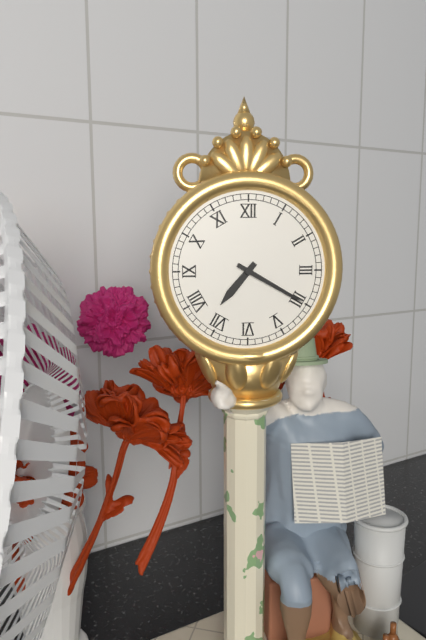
7:20
